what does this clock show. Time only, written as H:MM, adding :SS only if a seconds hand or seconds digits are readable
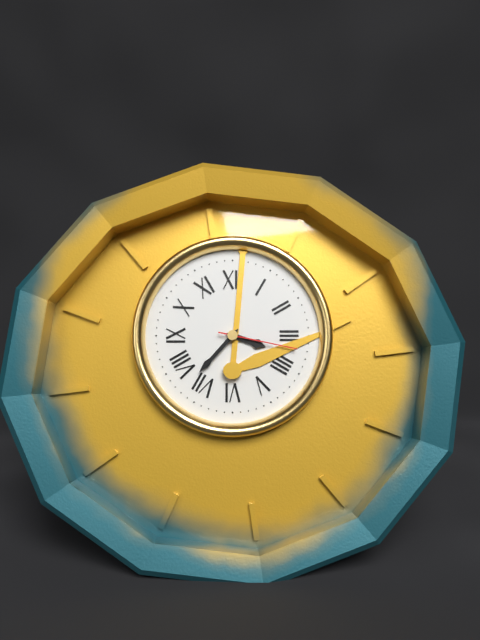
3:37:17
